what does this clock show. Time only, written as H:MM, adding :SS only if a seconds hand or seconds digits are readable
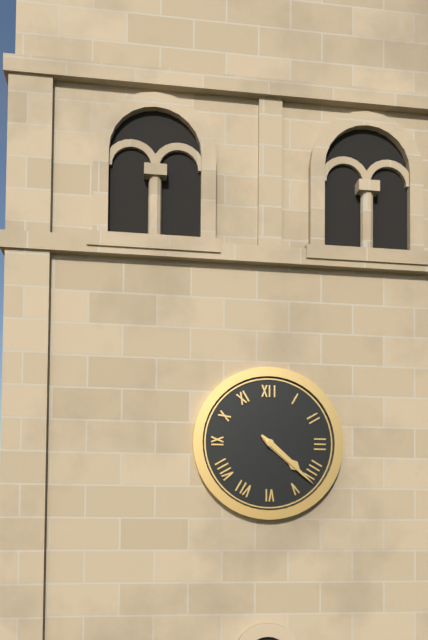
4:22
